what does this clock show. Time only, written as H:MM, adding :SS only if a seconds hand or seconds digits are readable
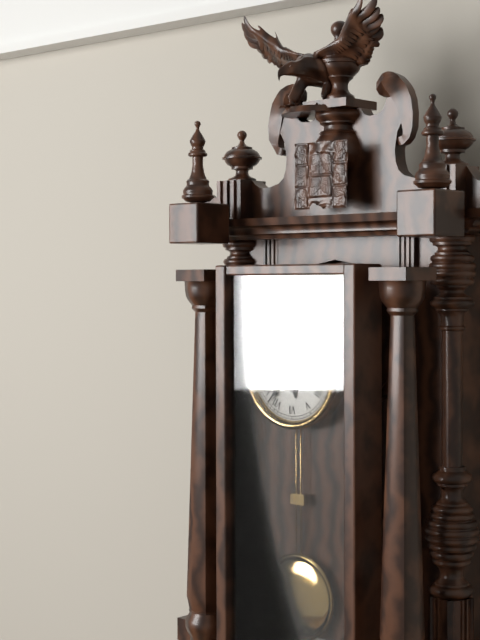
5:37
